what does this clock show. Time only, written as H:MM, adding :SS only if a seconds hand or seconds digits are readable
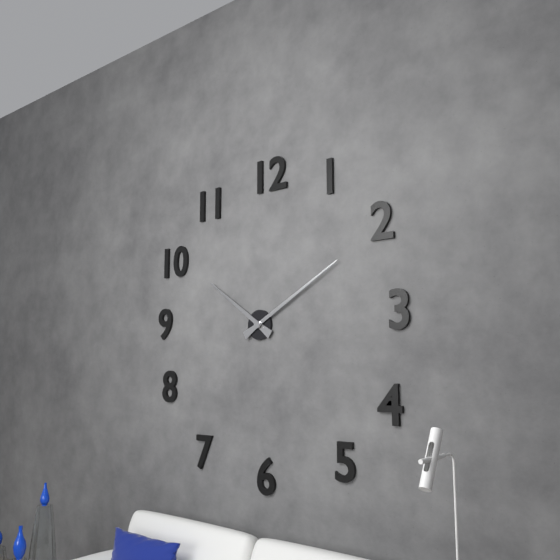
10:10
